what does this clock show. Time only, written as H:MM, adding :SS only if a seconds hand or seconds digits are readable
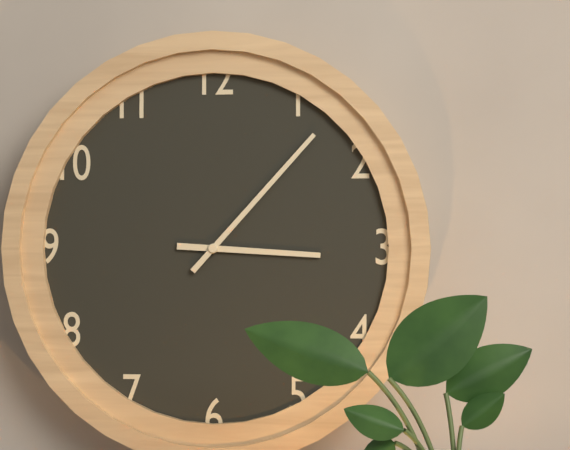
3:07
